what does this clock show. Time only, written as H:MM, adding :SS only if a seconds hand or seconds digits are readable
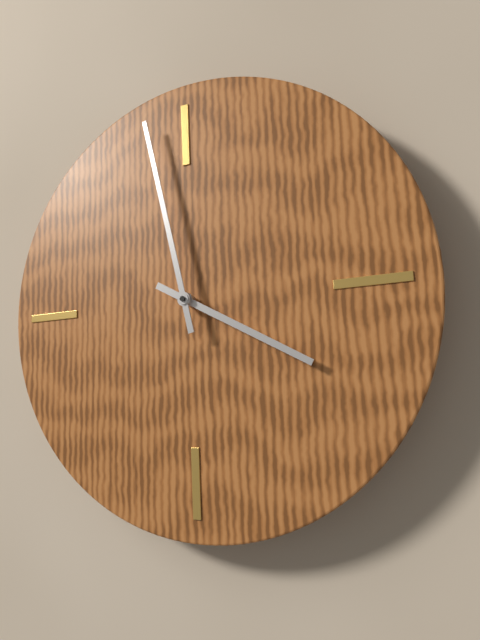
3:58
